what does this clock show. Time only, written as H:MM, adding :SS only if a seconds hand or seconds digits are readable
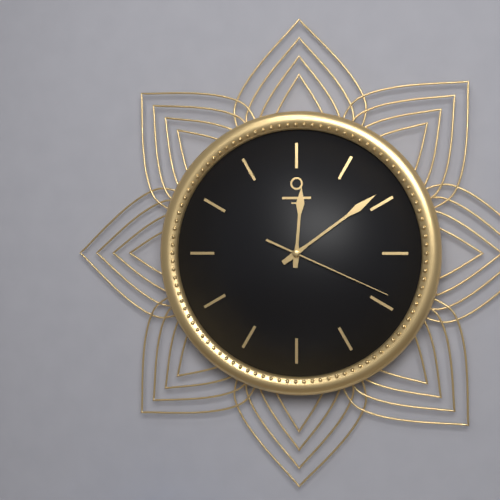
12:09:19
